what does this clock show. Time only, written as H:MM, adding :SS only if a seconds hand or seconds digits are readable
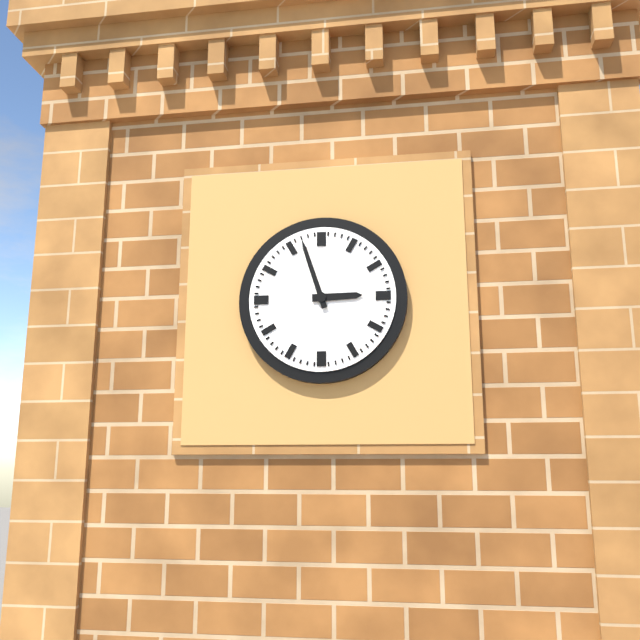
2:57
